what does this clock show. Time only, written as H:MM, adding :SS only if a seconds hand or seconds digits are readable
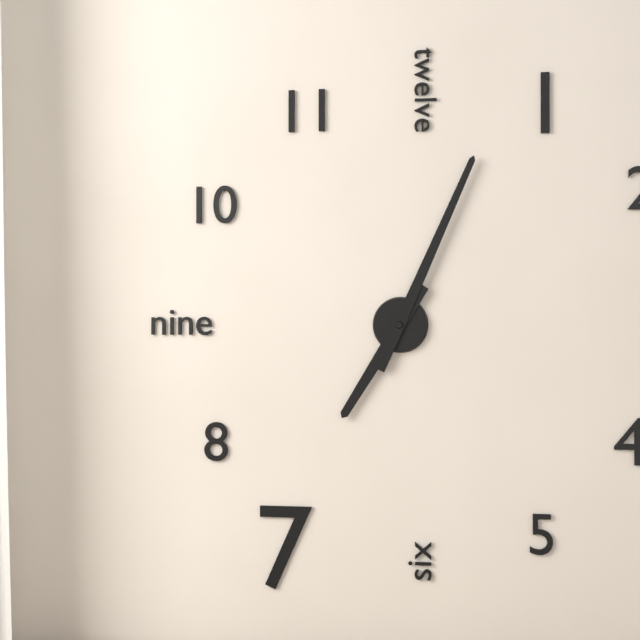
7:04
